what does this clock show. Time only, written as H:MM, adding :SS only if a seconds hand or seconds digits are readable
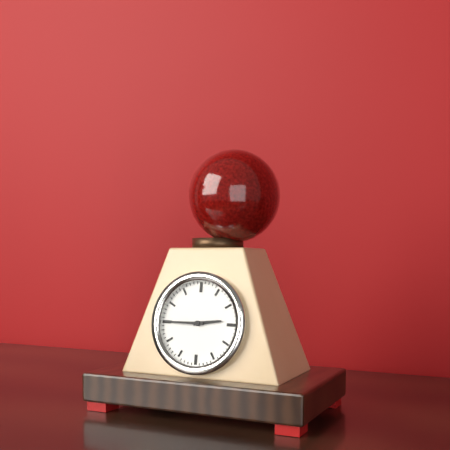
2:45
